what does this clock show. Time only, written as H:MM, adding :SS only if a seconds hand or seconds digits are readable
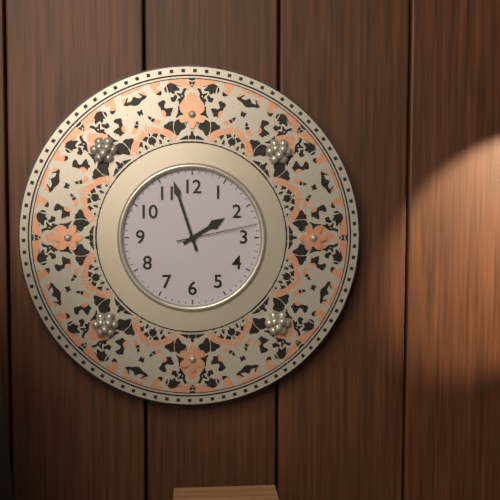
1:57:13
